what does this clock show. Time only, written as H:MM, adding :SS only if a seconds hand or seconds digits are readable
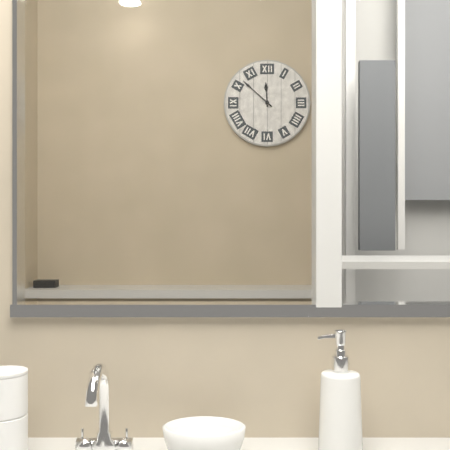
11:52
